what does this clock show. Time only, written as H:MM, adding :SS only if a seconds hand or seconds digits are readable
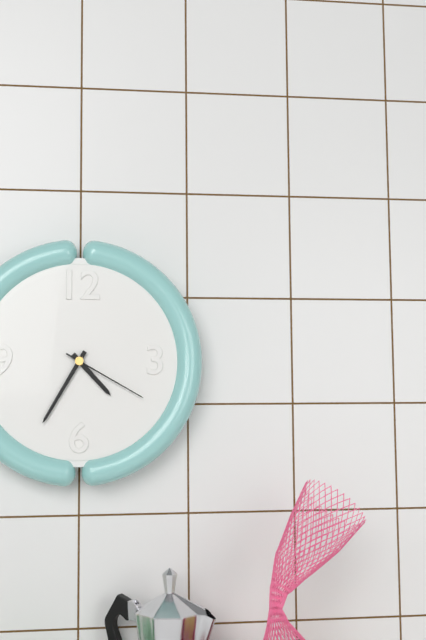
4:35:20
